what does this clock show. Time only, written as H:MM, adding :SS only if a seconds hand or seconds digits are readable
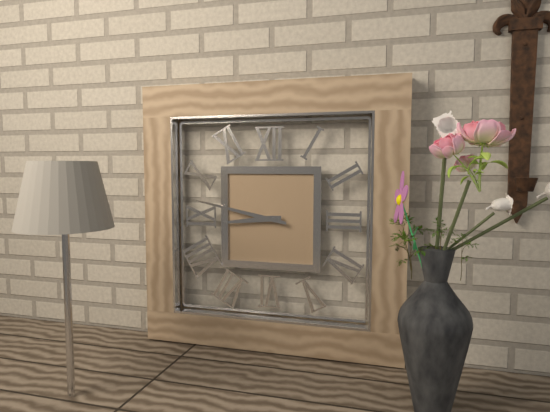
8:47
